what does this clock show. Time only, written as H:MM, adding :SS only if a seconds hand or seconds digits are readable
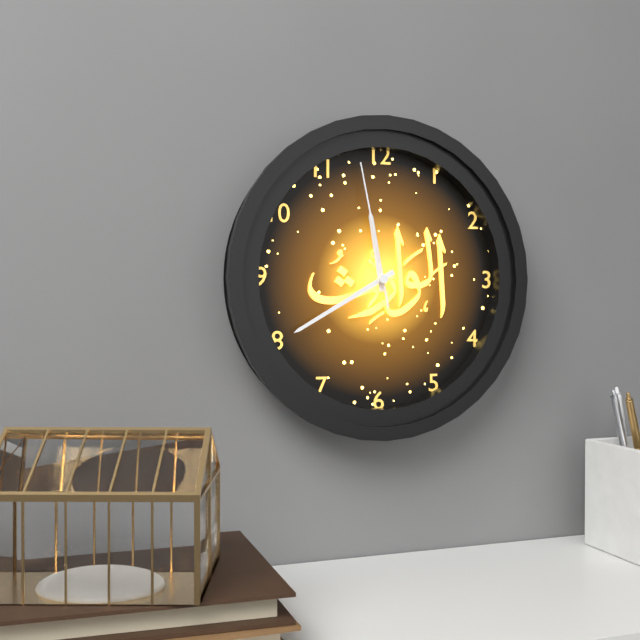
11:40:58
